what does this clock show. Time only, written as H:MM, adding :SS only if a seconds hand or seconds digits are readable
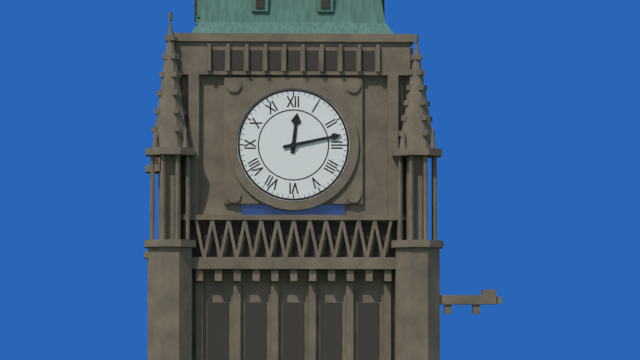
12:13
